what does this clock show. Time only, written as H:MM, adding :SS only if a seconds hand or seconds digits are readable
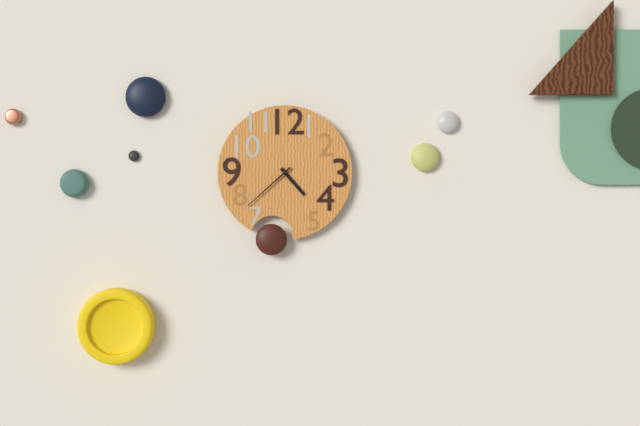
4:38
